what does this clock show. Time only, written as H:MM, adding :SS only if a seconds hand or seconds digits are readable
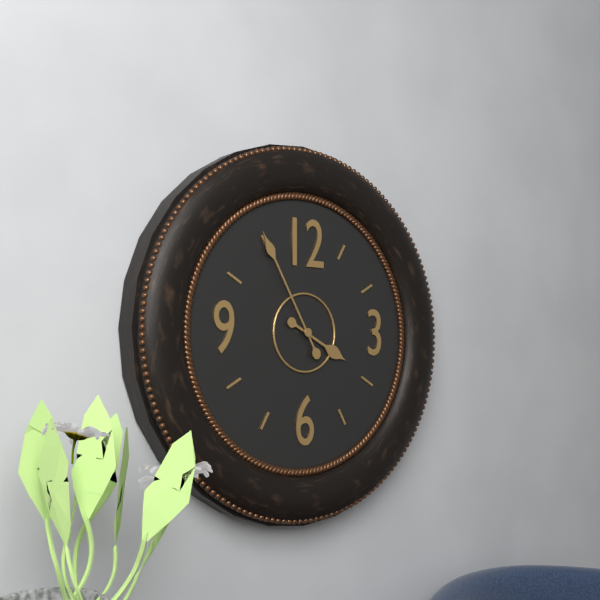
3:55
